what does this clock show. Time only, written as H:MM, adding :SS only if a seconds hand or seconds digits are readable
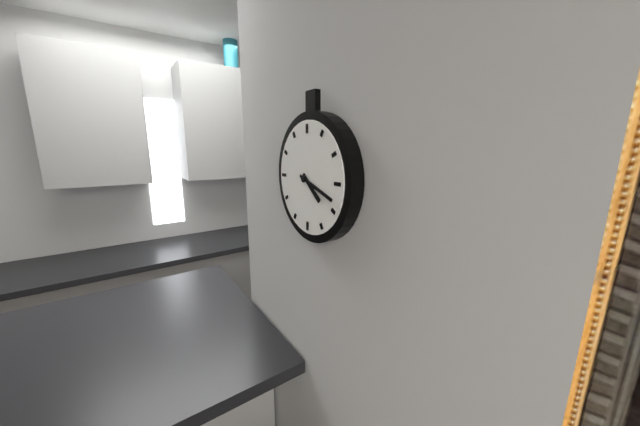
4:18
